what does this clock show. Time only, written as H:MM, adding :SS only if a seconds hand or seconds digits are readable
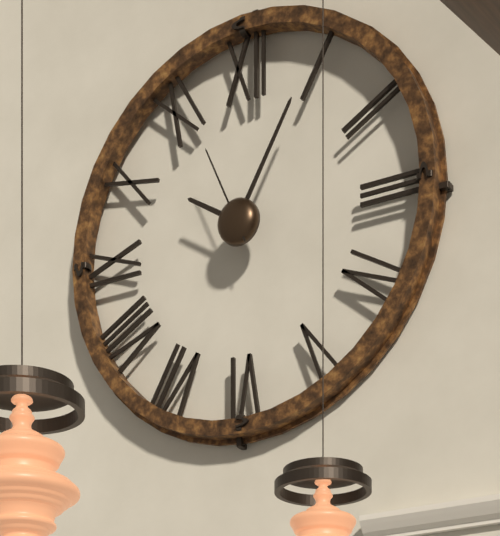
10:05:56
